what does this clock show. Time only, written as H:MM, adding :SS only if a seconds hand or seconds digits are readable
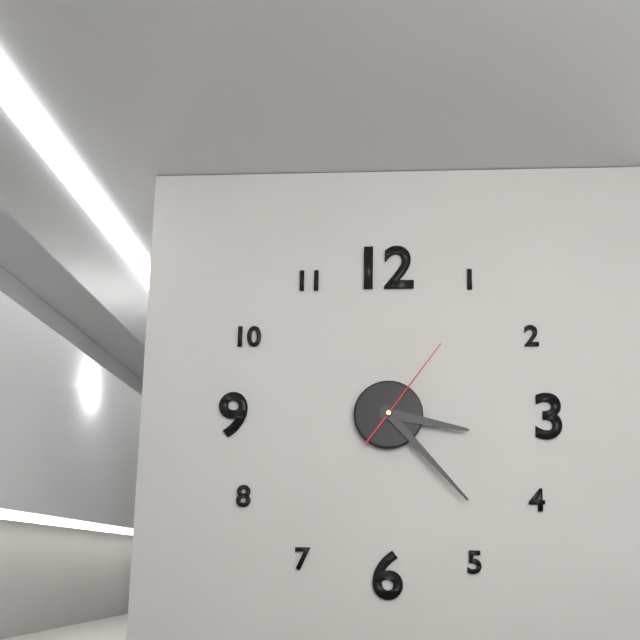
3:23:06
